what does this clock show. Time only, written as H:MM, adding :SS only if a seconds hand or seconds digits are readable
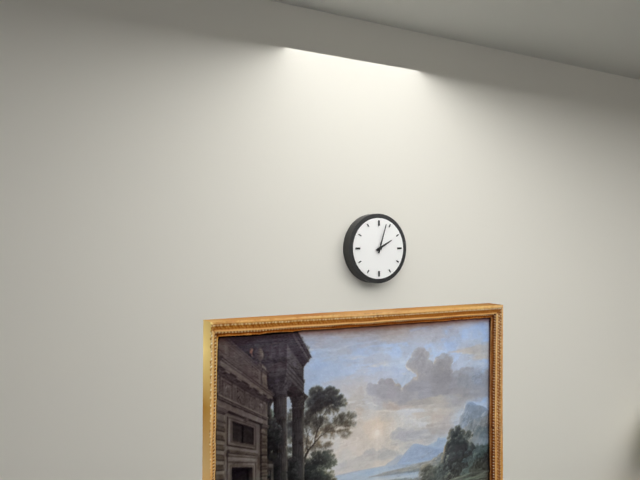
2:03
